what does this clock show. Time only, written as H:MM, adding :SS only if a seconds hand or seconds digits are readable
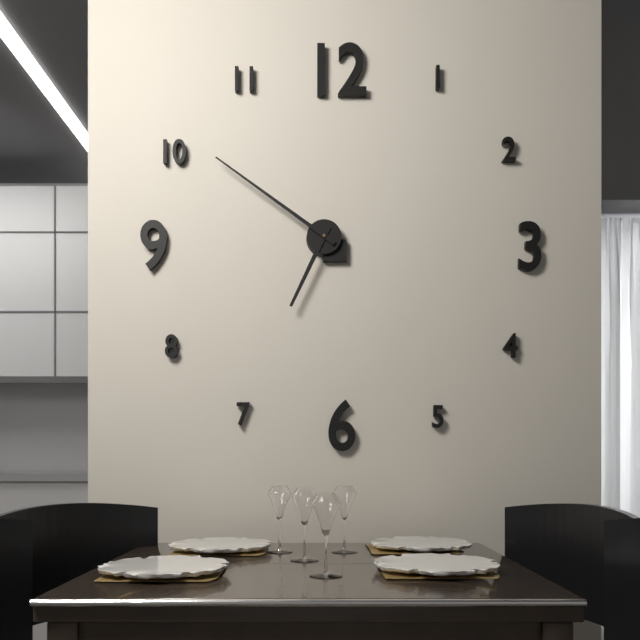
6:51
